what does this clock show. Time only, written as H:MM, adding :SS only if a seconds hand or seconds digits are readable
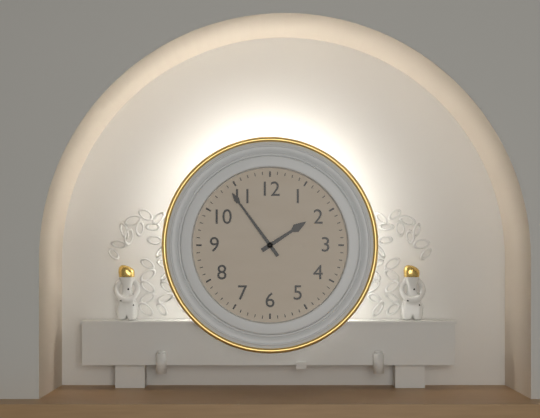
1:54
